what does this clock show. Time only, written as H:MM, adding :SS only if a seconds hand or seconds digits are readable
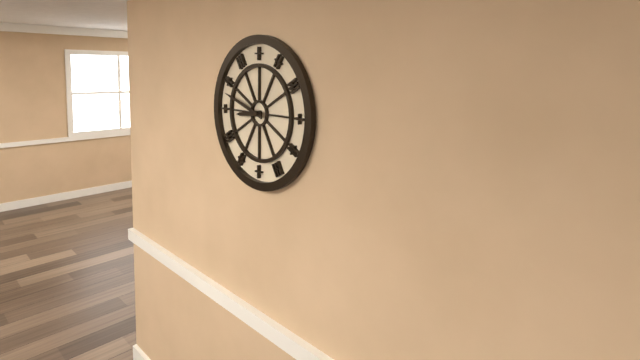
8:48
